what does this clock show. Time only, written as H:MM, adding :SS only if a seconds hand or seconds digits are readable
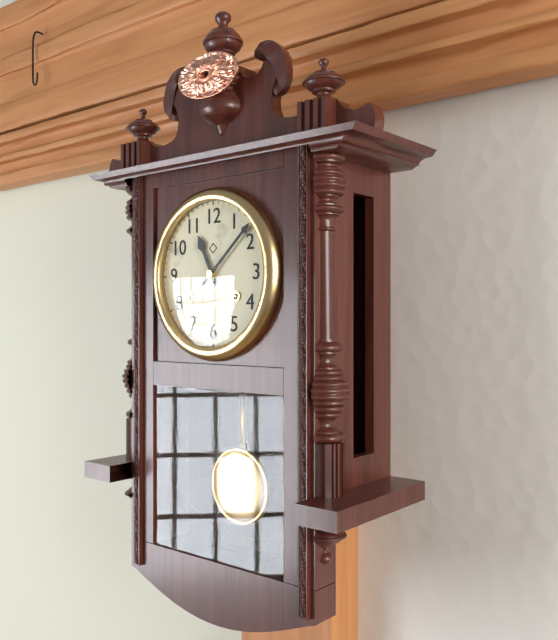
11:08
